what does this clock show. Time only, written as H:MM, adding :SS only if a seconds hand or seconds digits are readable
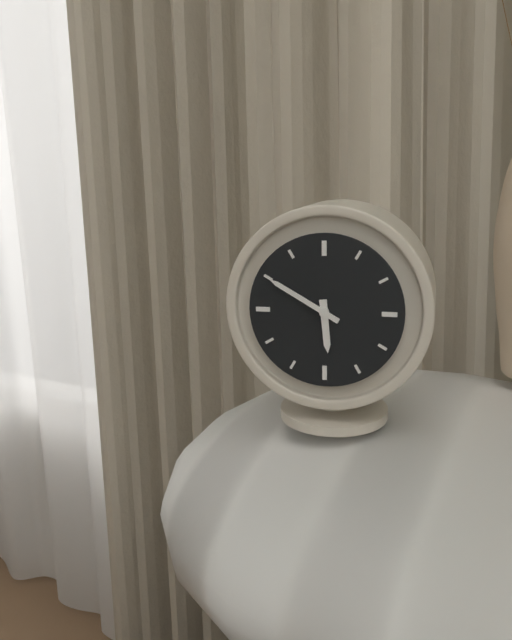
5:50
